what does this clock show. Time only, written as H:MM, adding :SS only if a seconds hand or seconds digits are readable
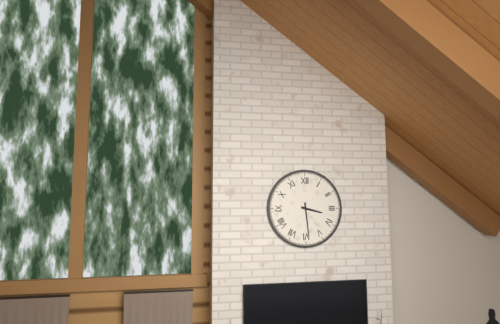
3:29
